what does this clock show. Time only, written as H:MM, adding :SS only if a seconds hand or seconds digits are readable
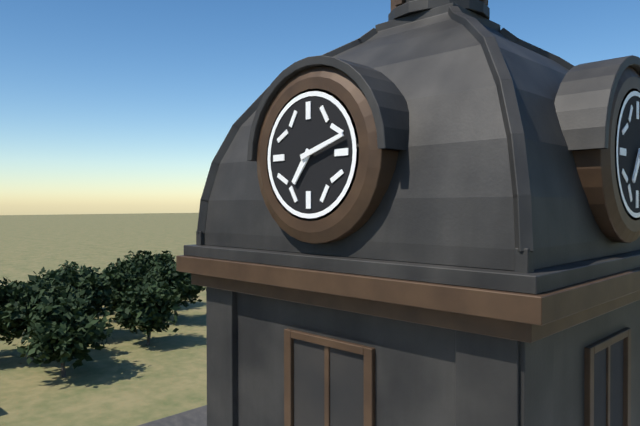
7:12
